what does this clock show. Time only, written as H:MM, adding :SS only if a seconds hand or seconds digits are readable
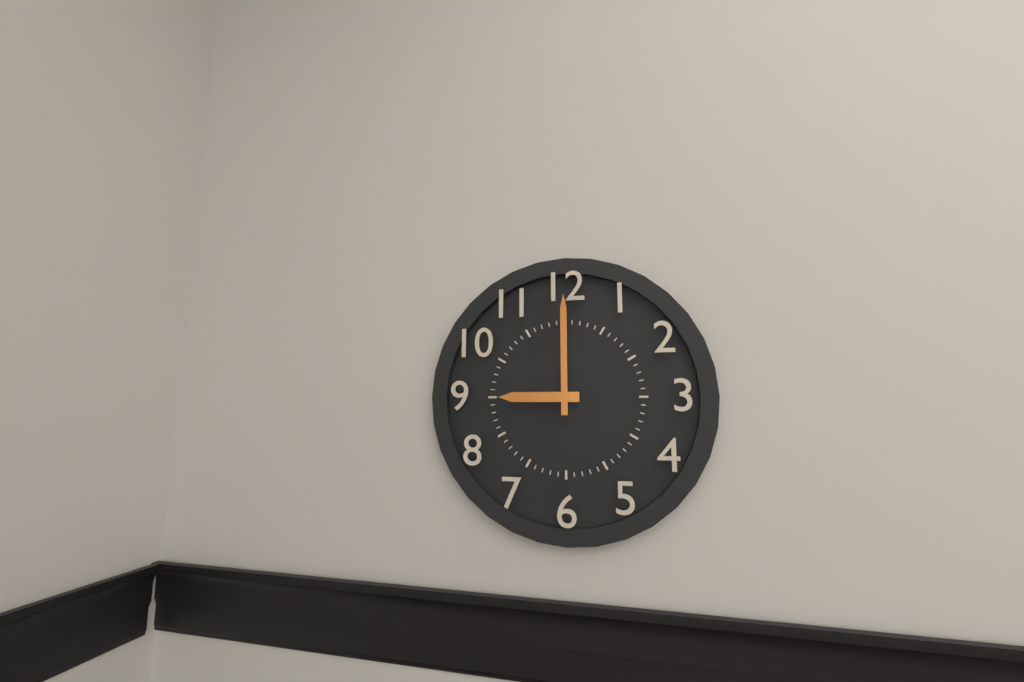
9:00
